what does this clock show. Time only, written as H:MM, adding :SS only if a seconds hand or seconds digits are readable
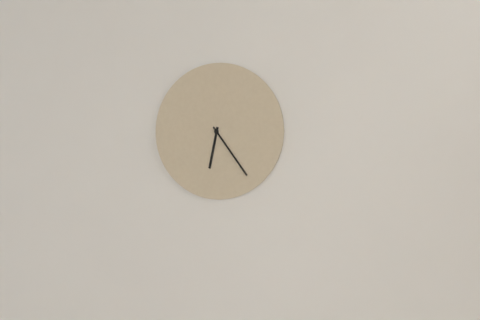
6:24
